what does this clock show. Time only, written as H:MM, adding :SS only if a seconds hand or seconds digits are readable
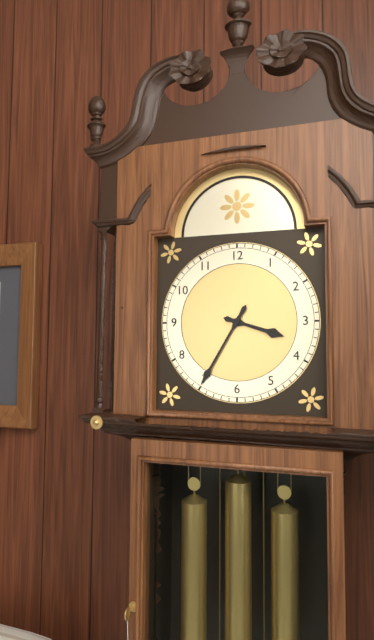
3:35
